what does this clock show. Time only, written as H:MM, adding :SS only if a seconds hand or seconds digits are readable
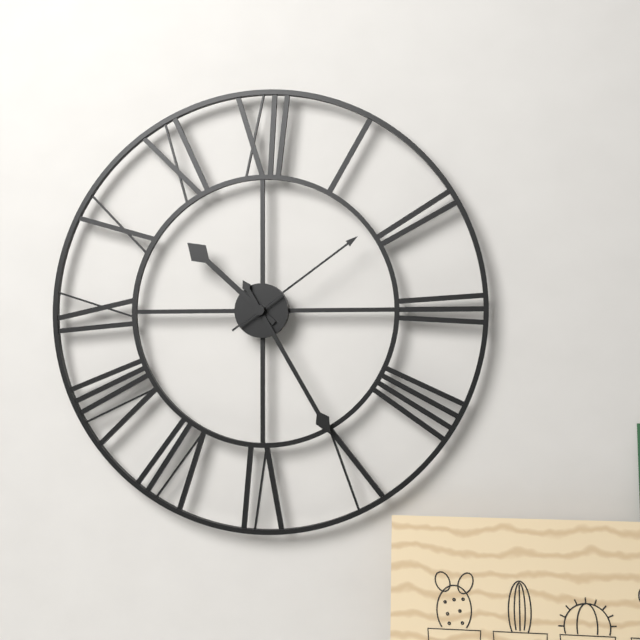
10:25:09
